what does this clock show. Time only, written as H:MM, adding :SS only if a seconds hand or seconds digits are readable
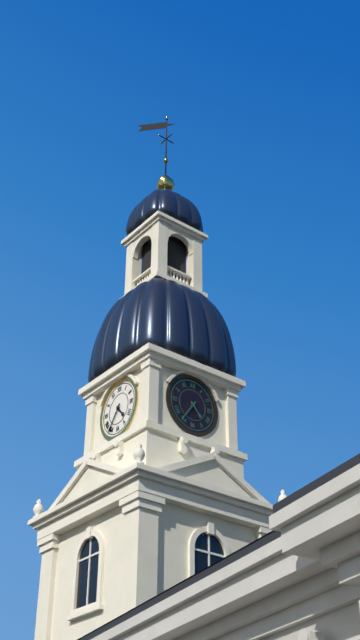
4:36
